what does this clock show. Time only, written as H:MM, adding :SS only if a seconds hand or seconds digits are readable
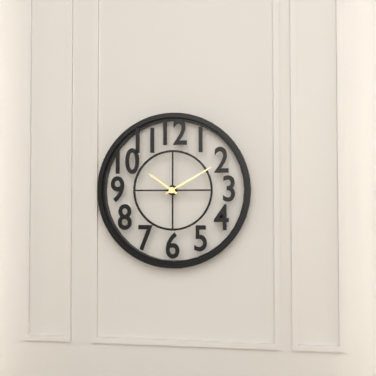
10:10
